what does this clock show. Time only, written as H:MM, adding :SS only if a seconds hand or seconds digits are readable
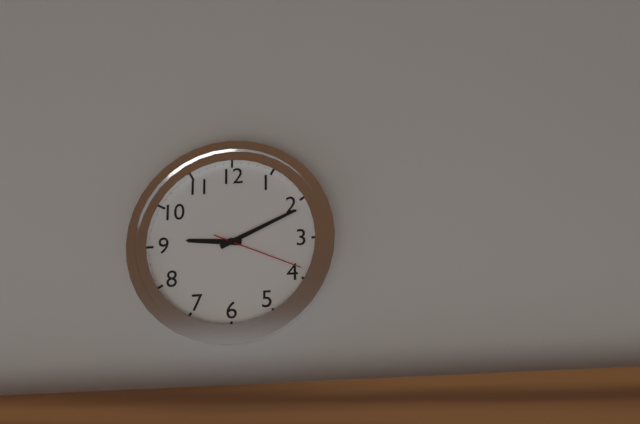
9:11:19
